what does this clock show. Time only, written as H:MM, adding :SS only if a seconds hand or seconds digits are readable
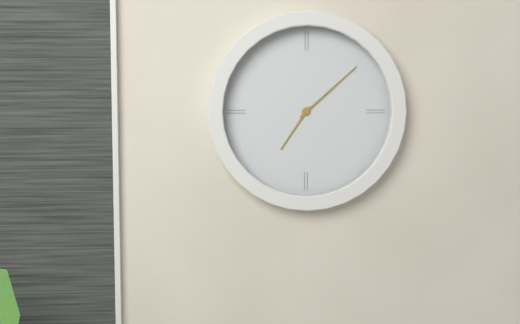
7:08
